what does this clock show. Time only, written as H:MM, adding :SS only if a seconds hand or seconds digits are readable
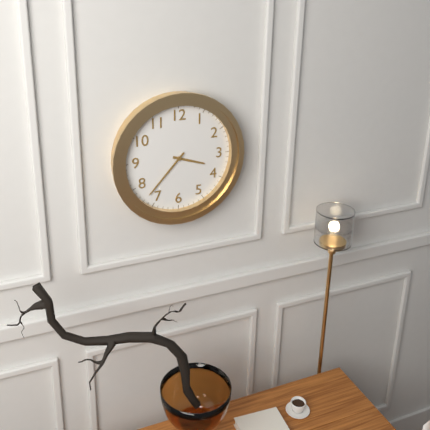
3:37
